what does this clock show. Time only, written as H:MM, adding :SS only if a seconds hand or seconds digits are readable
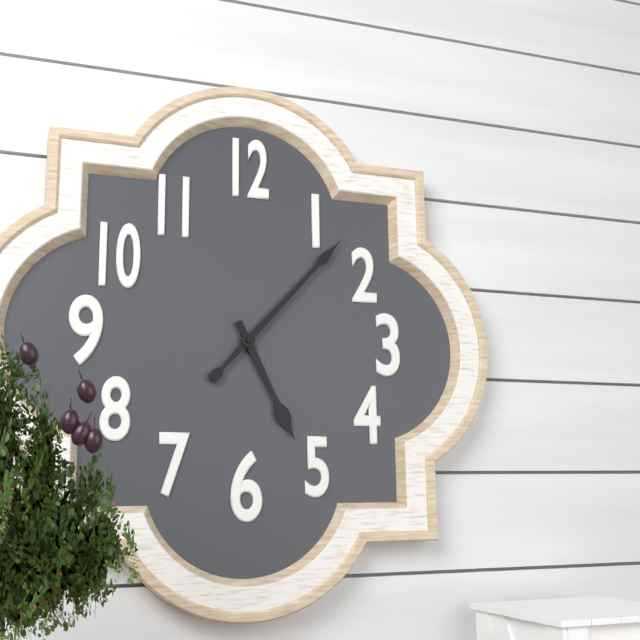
5:07
